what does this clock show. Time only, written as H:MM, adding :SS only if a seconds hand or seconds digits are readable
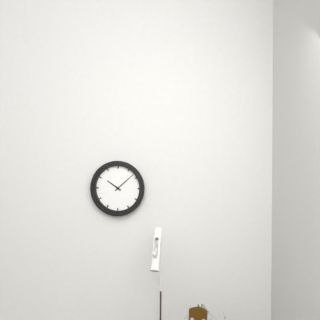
10:08
